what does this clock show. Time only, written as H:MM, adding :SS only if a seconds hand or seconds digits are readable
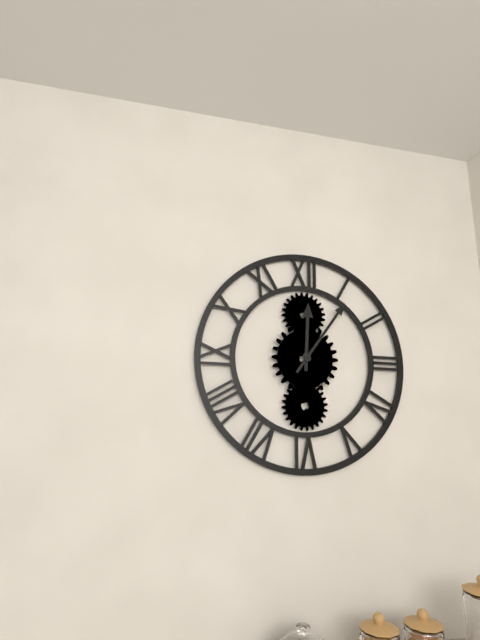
12:06
